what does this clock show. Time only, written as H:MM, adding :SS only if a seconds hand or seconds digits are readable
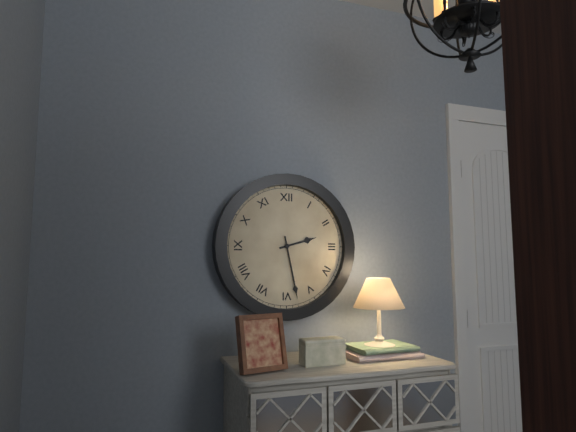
2:28
